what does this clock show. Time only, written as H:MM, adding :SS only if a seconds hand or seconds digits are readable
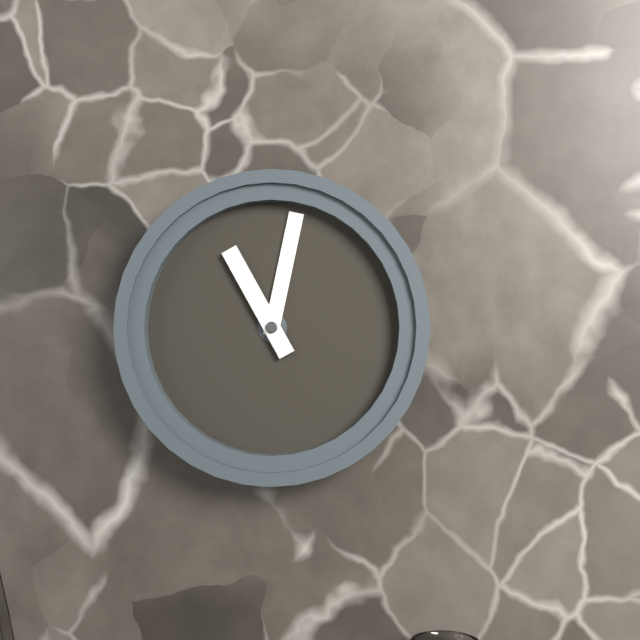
11:02
